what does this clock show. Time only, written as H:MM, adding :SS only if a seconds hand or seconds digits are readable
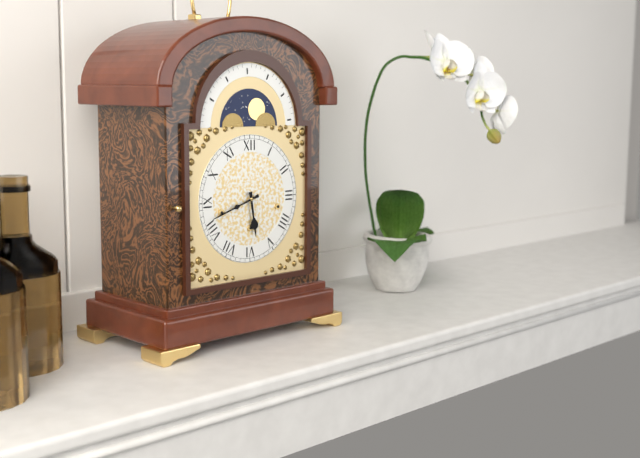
5:42
